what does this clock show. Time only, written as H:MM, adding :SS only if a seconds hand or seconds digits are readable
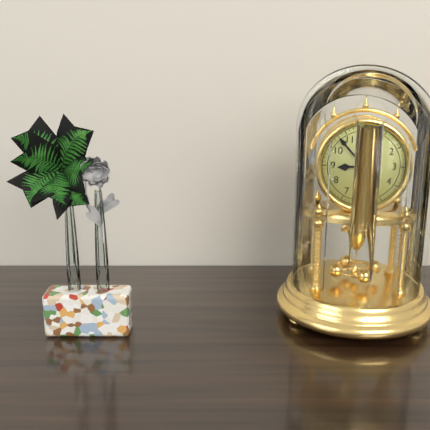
8:53
